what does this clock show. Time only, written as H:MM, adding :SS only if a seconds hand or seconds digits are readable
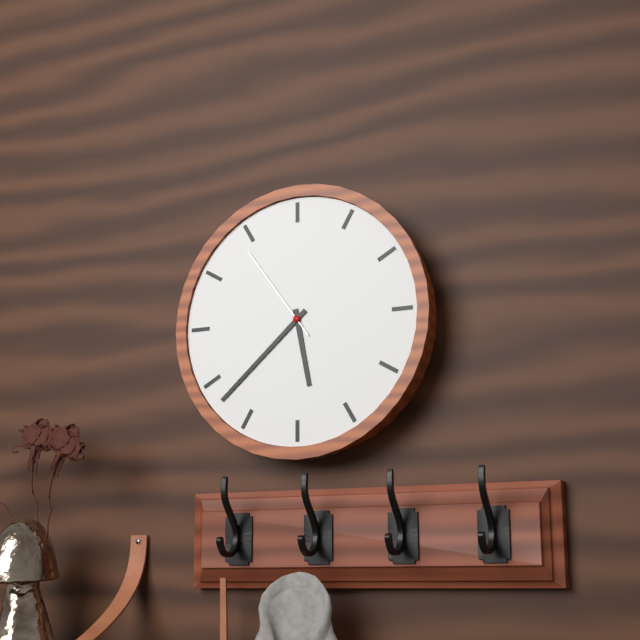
5:38:54
